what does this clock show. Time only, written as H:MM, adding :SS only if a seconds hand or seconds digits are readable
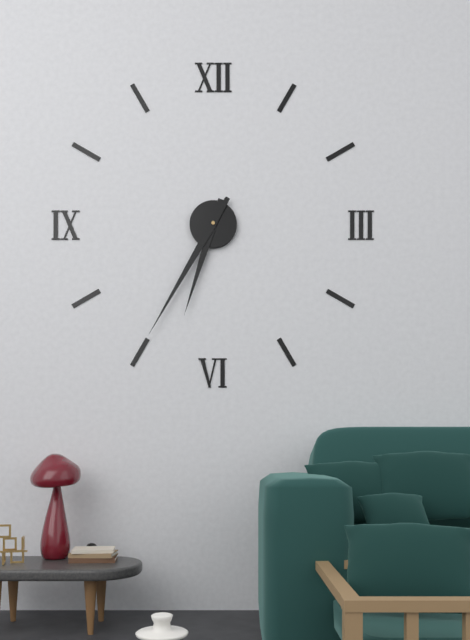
6:35
